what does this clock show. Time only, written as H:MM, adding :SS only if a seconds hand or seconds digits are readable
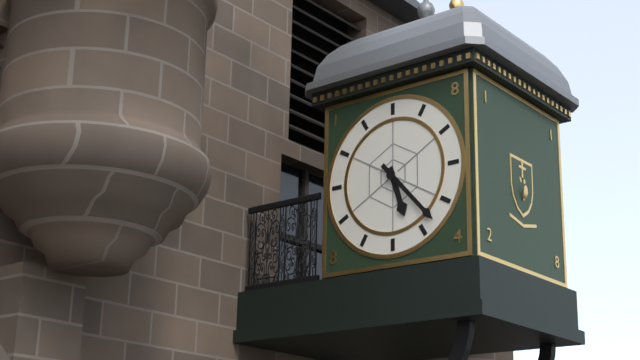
5:23
